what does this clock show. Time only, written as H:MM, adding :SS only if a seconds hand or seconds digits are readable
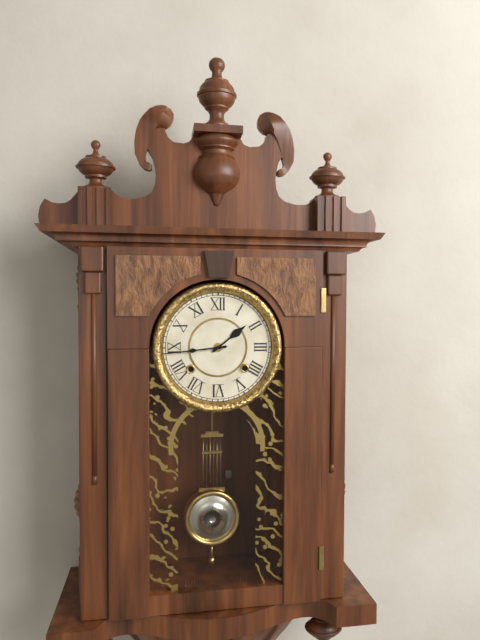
1:44
